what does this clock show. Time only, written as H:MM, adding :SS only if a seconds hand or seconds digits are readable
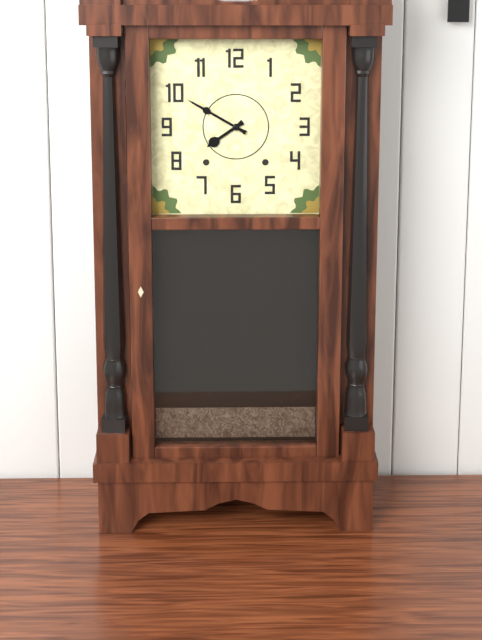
7:50
